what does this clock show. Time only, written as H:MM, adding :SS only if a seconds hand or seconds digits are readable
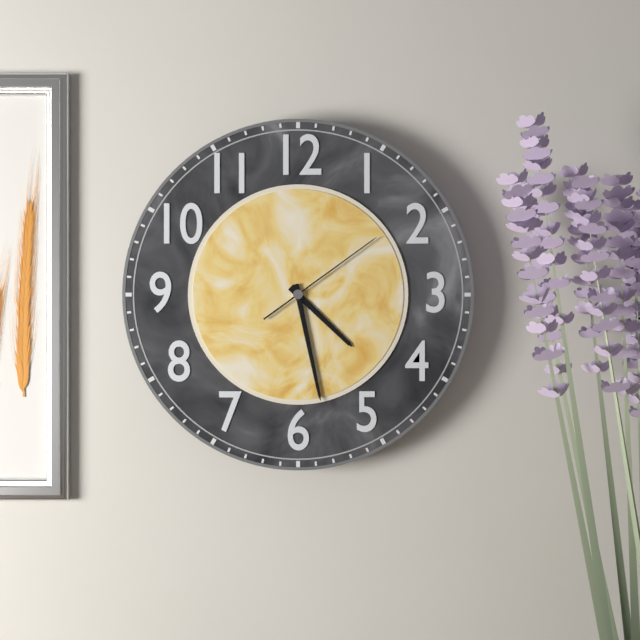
4:28:09
